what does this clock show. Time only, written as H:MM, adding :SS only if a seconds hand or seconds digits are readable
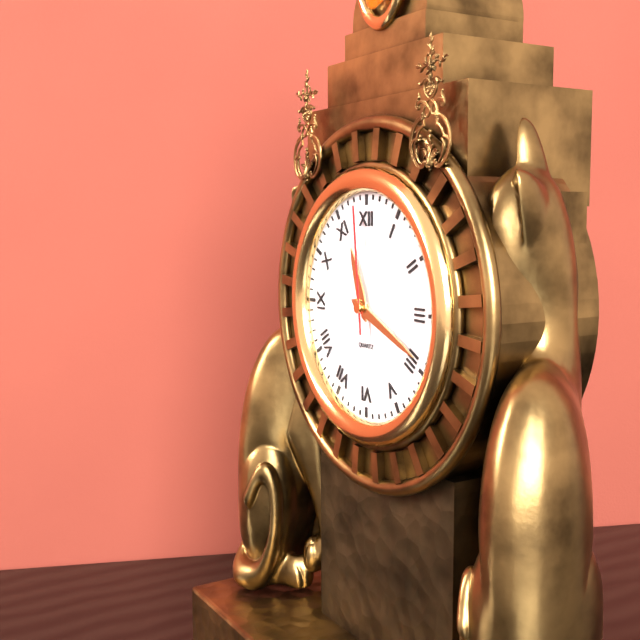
11:19:59
